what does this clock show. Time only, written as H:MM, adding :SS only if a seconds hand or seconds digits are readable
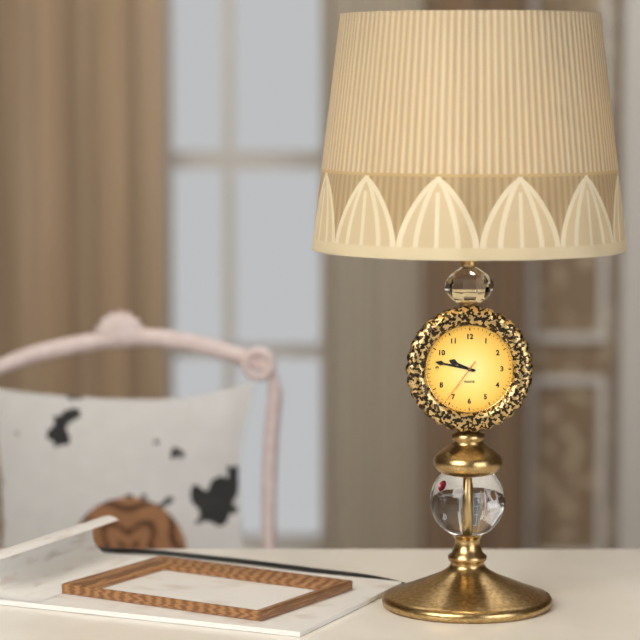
9:47
